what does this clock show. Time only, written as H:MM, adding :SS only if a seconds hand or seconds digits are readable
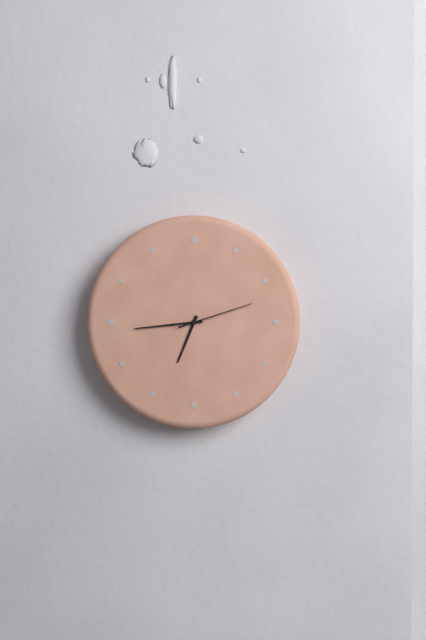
6:44:12
